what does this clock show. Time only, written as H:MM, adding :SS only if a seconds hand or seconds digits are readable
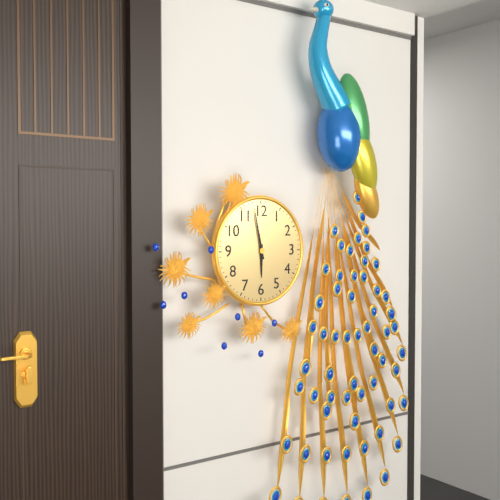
5:58
